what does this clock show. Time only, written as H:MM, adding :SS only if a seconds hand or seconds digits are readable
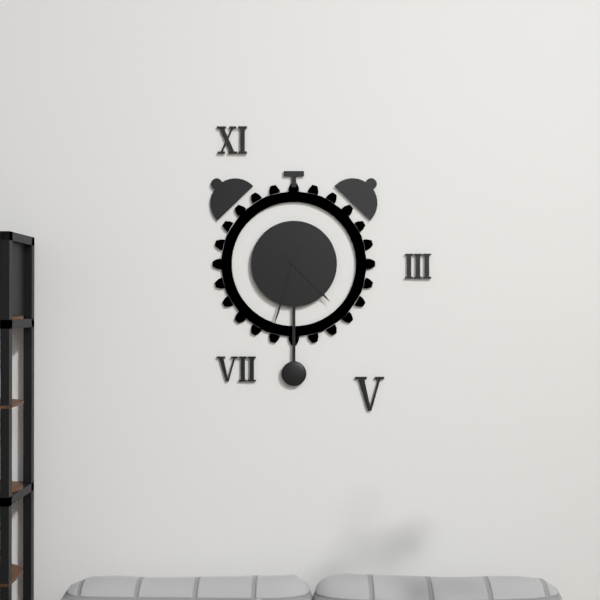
4:33
